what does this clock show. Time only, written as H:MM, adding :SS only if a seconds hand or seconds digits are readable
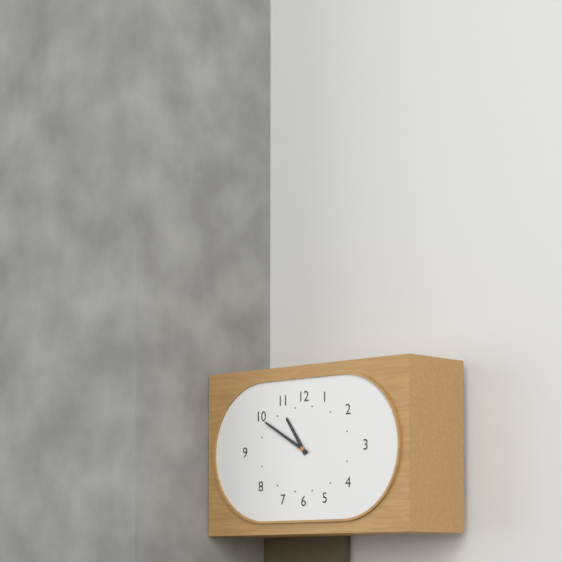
10:50
